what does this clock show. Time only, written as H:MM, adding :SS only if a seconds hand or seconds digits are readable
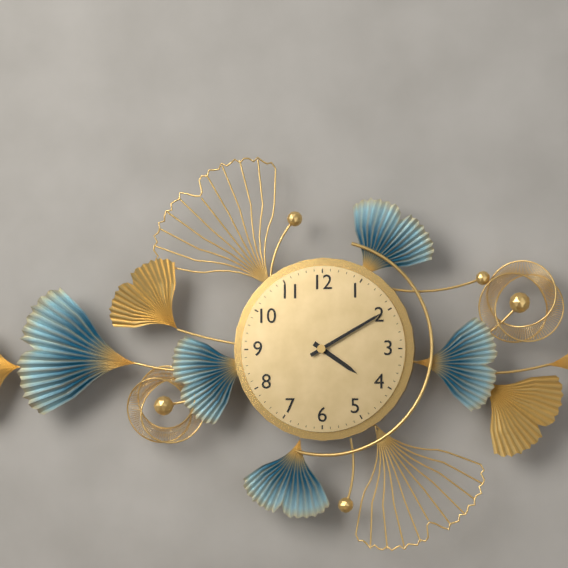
4:10
